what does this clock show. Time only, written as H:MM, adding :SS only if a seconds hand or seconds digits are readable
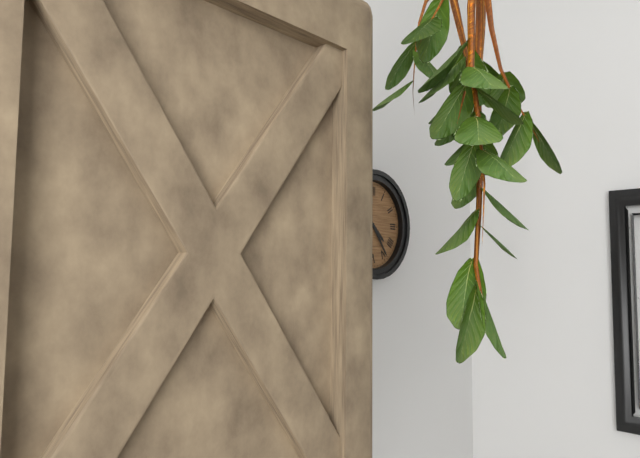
4:24
